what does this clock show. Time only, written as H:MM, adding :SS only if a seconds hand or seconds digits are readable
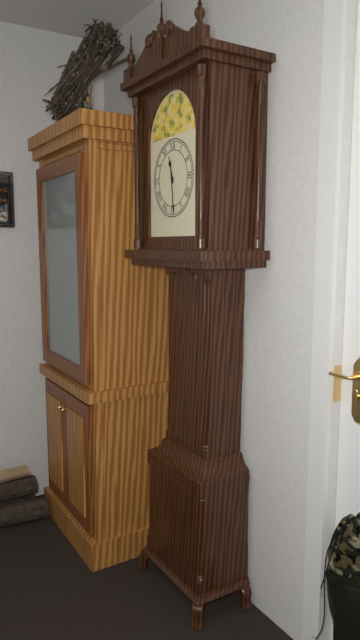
11:29
